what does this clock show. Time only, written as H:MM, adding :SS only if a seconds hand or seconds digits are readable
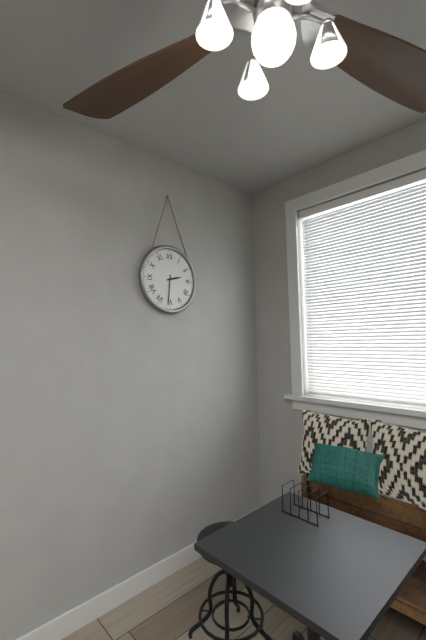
2:31
